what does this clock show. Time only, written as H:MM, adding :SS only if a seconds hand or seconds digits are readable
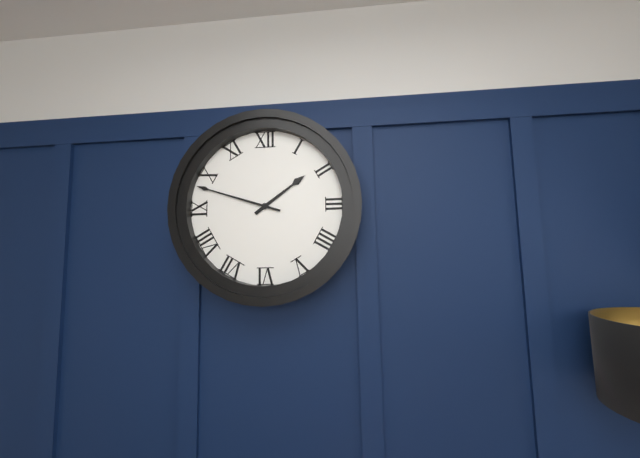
1:48
